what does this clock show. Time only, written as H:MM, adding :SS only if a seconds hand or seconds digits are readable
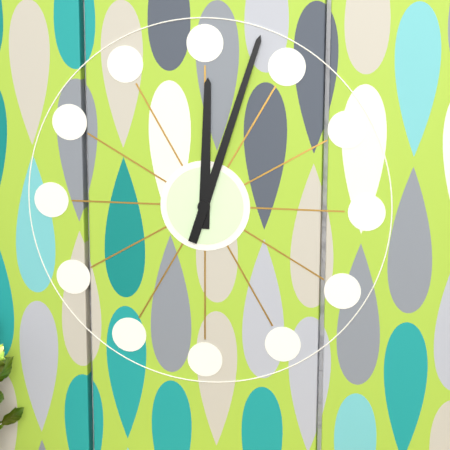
12:03
